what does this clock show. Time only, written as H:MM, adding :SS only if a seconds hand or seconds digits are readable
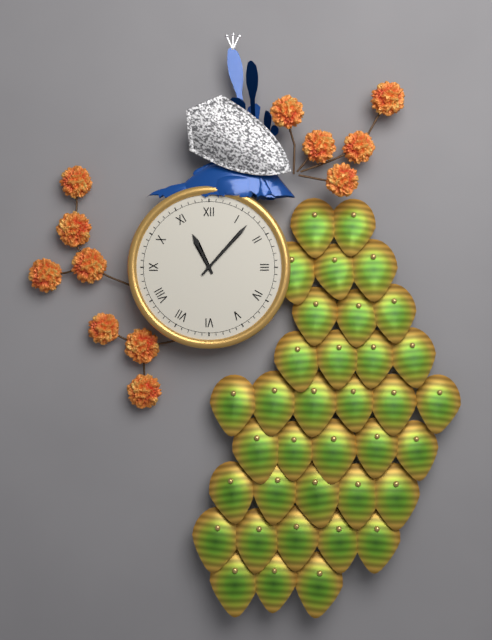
11:07
